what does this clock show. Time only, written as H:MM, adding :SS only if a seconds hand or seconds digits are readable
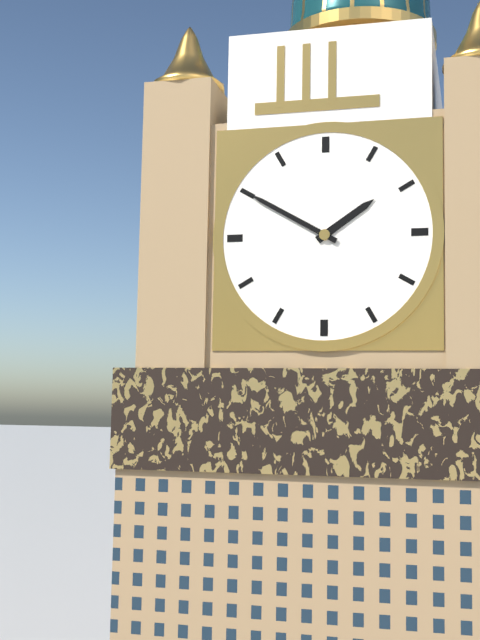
1:50
